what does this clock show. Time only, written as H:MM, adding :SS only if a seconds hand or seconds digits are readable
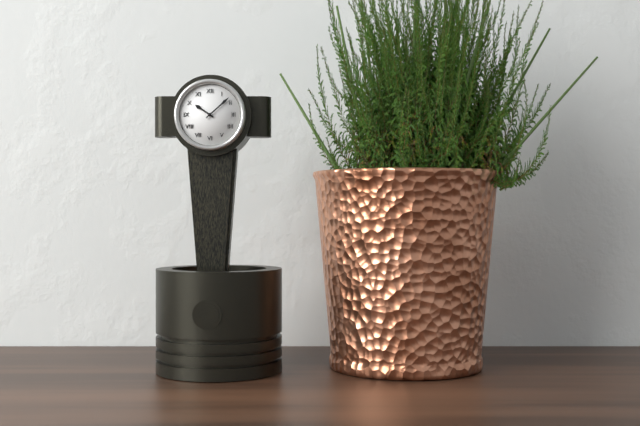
10:08
